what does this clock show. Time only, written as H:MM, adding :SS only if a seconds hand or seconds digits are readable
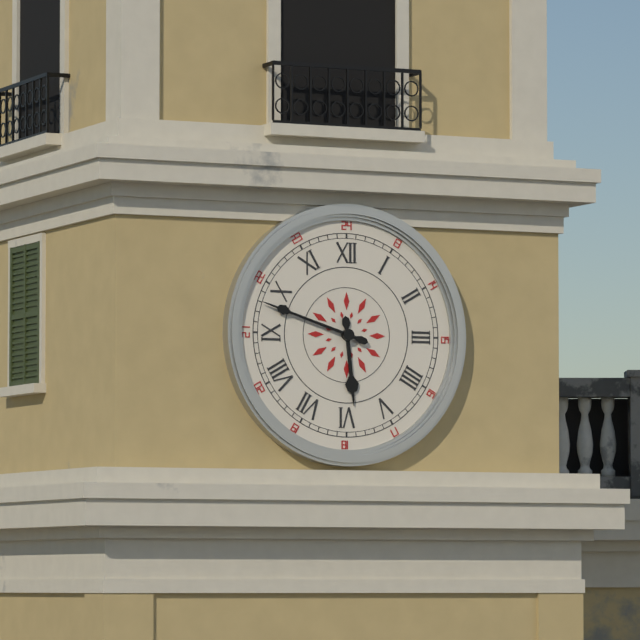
5:48
